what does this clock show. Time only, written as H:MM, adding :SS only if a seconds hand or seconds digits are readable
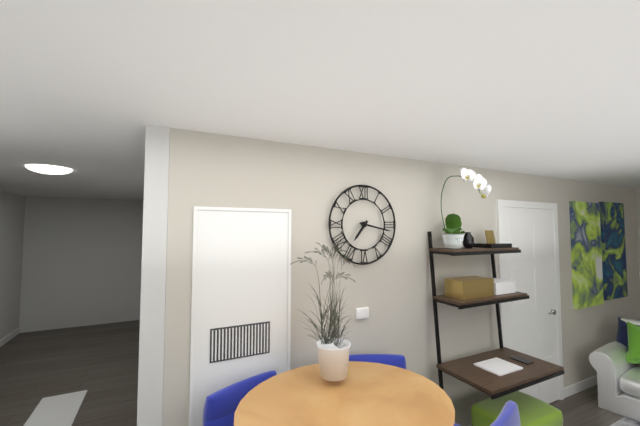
7:17
